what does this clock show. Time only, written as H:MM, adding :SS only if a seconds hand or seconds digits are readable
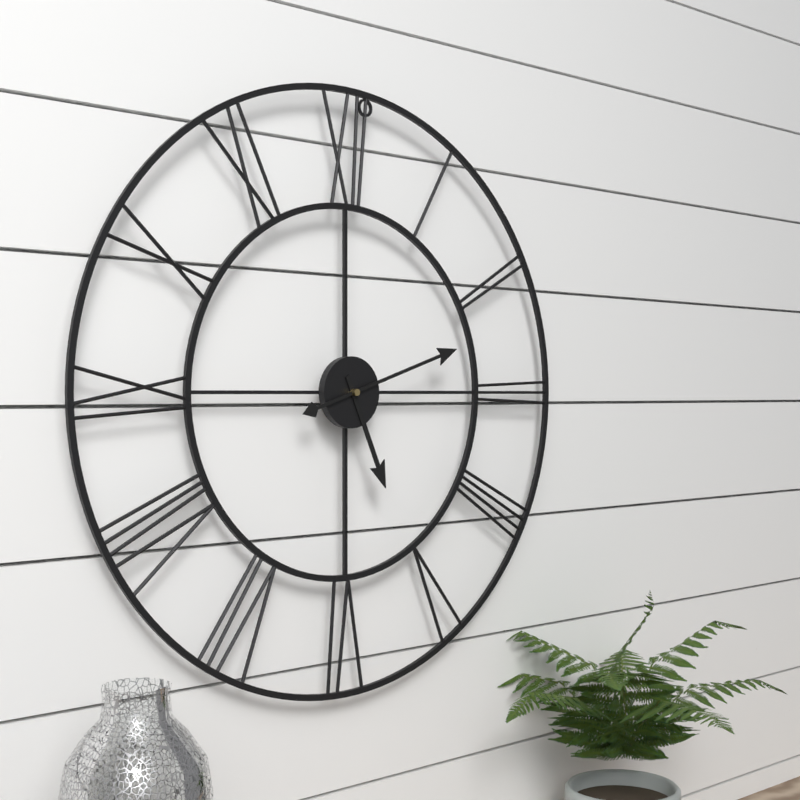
5:12
